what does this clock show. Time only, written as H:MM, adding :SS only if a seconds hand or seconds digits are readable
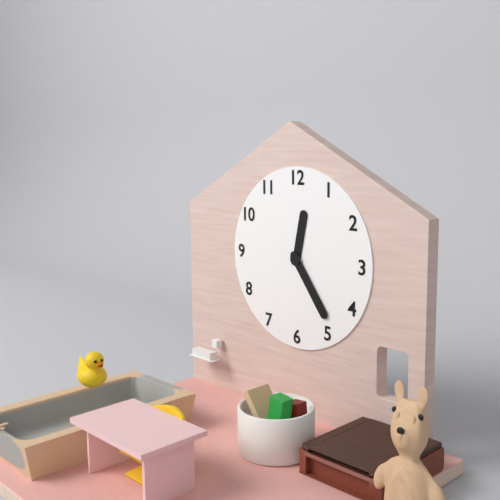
12:24
